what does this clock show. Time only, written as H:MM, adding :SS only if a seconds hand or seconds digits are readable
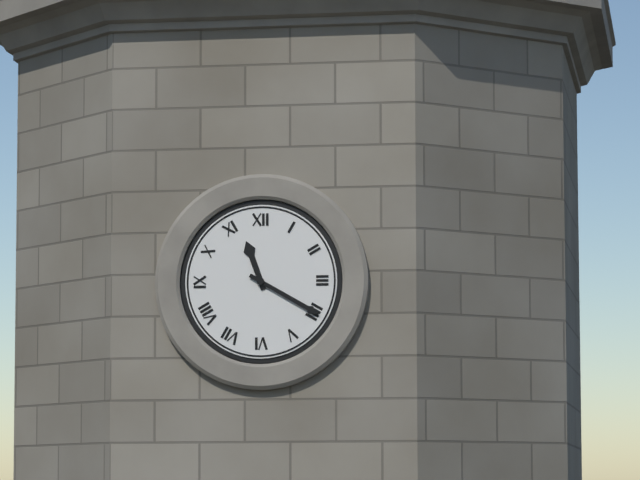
11:20
